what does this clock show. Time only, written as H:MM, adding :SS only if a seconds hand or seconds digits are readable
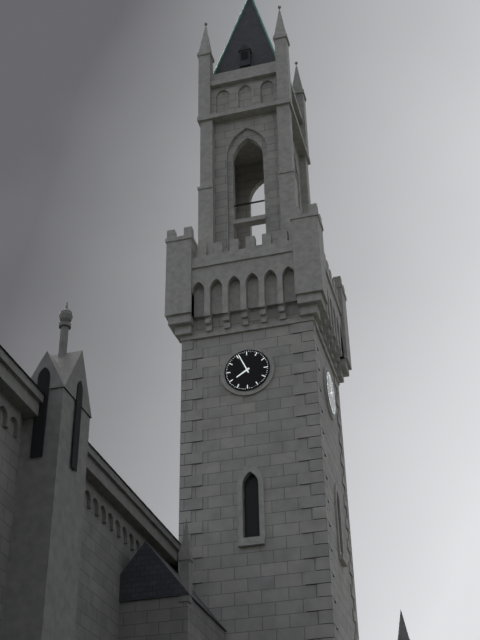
7:56
